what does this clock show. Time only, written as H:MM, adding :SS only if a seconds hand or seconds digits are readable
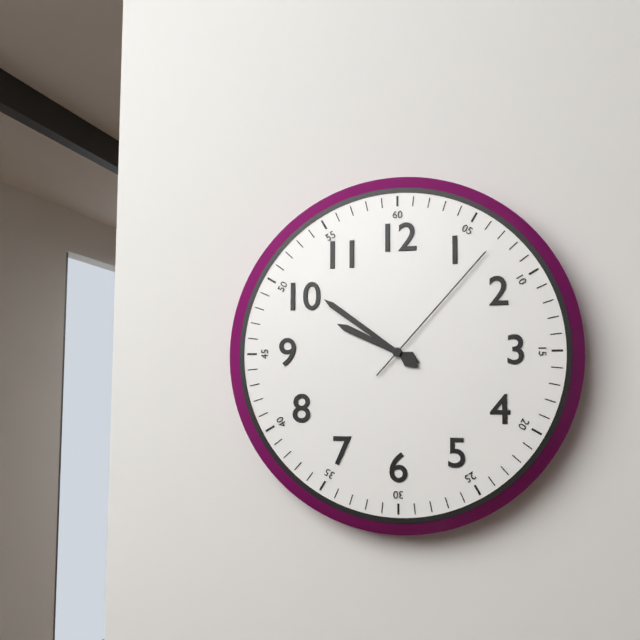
9:51:07
